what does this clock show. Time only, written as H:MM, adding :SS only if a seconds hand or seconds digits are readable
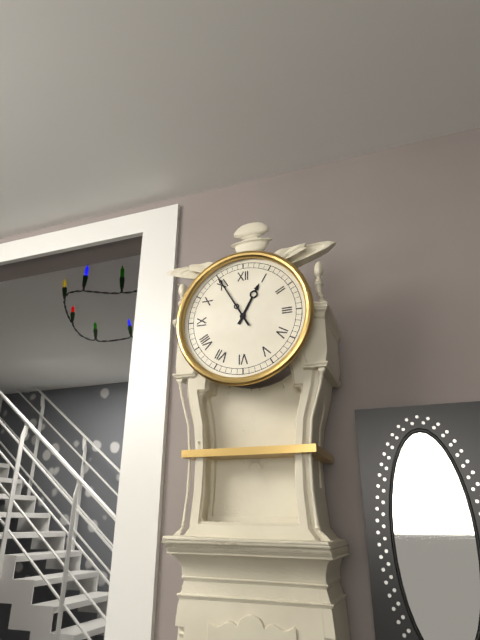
12:55
